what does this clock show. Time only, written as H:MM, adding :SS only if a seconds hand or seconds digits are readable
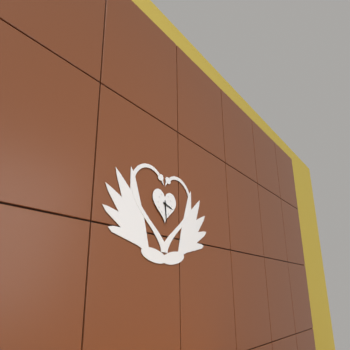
3:29
